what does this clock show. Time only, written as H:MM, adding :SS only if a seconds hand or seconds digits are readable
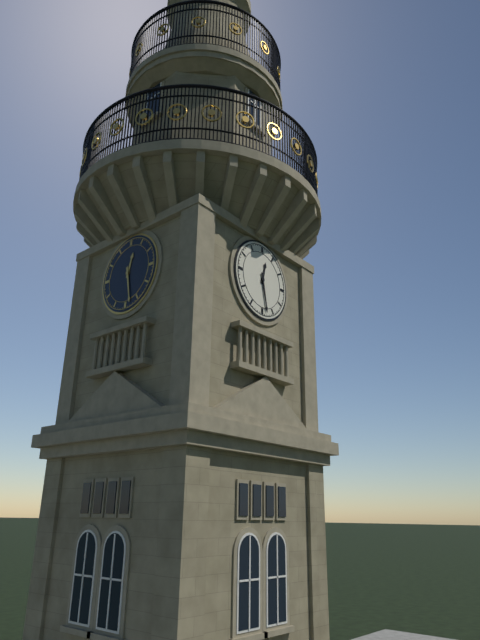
12:28
